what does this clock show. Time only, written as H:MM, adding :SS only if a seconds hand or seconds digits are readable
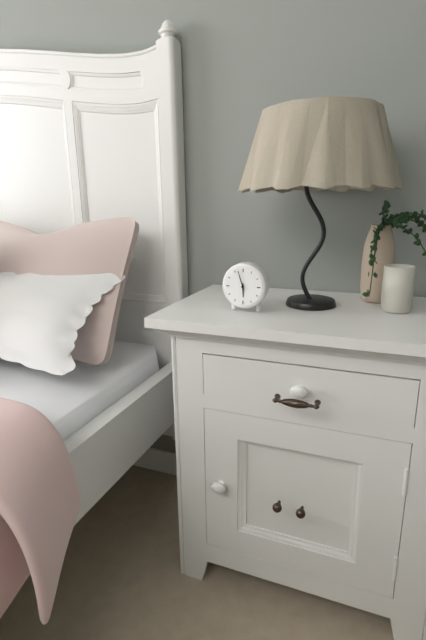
5:57
